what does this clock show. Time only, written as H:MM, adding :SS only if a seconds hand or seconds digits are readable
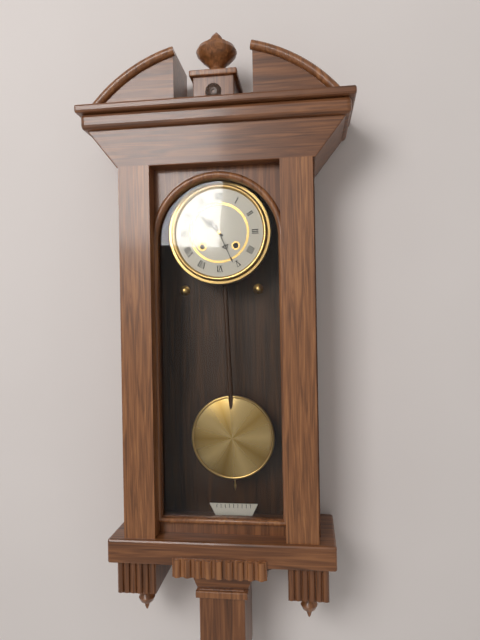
10:26
